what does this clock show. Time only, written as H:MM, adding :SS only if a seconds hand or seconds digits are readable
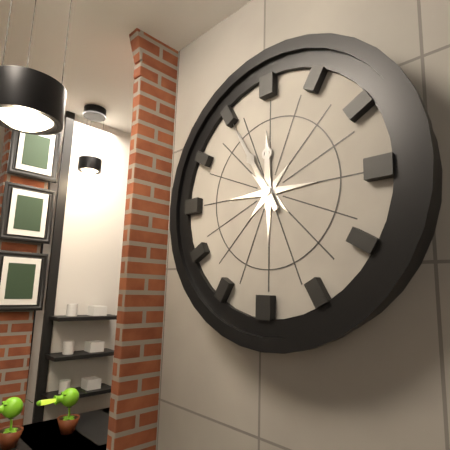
11:55
